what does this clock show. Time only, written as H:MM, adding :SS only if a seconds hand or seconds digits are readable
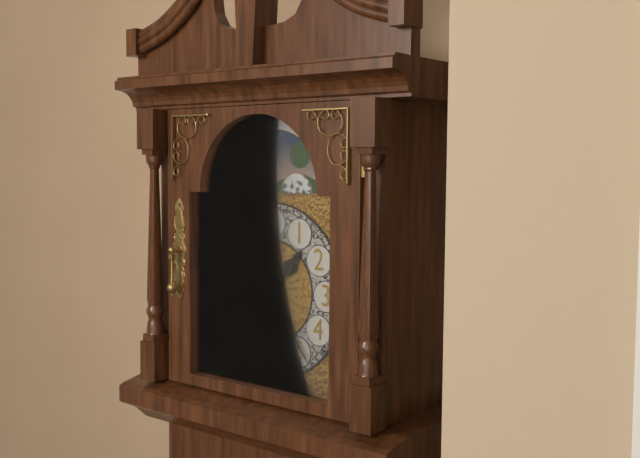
1:24
